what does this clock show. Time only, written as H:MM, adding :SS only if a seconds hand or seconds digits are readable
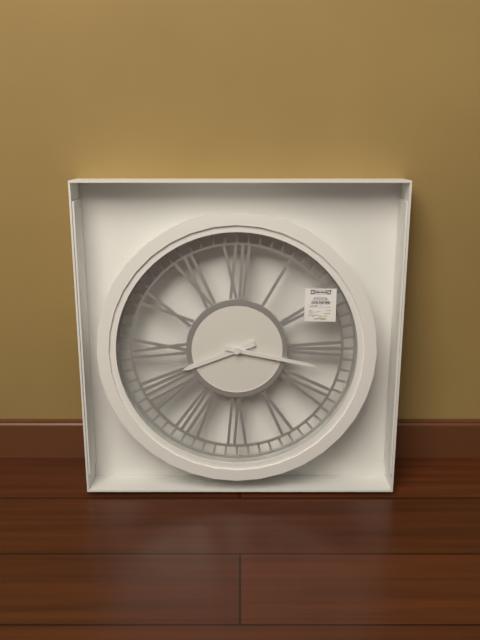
8:17
